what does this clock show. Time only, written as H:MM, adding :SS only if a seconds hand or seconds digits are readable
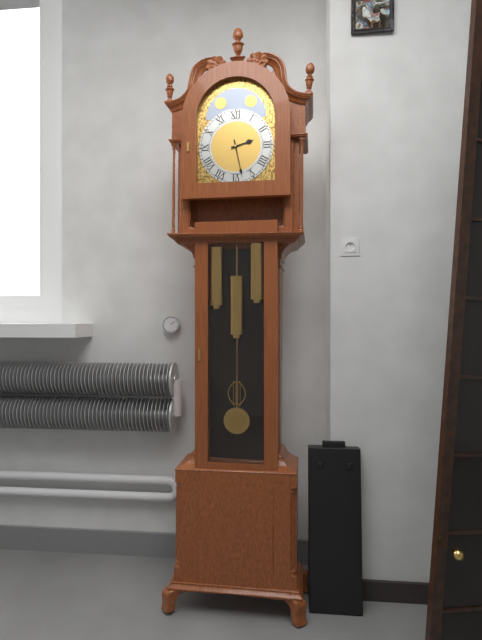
2:28
